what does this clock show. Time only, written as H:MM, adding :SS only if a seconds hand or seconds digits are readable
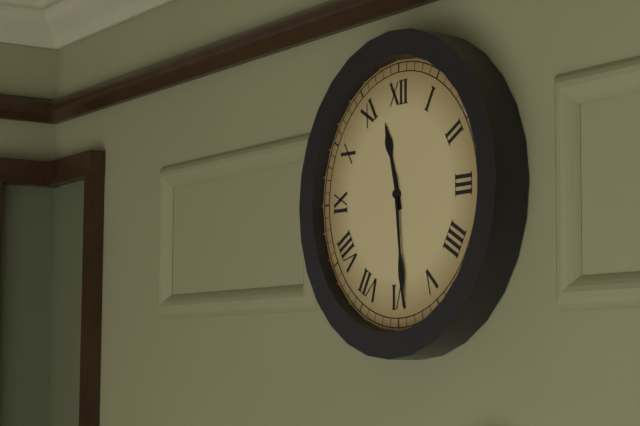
11:29
